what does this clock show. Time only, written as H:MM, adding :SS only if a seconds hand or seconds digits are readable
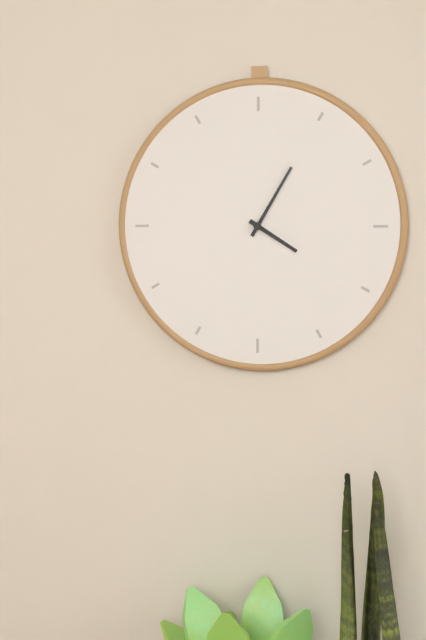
4:05
